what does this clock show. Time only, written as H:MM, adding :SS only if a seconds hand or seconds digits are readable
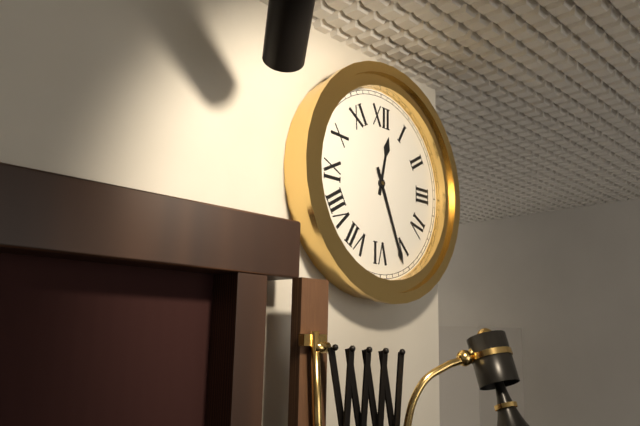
12:26
